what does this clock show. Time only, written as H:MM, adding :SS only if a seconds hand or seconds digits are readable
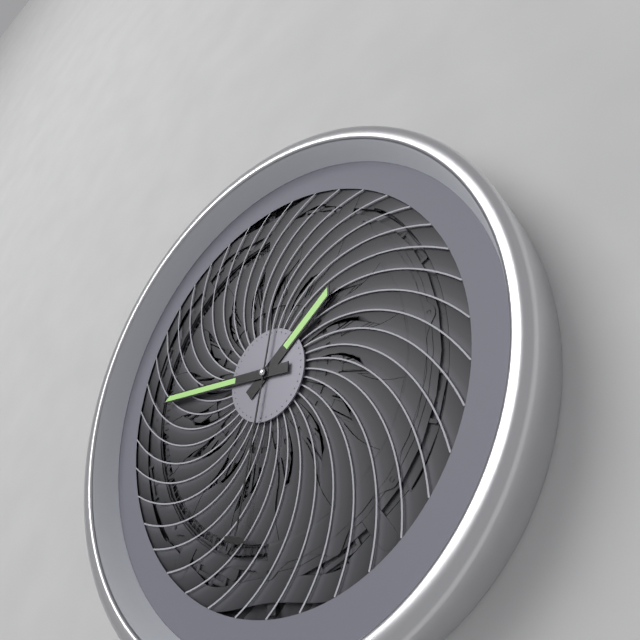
1:46:32
